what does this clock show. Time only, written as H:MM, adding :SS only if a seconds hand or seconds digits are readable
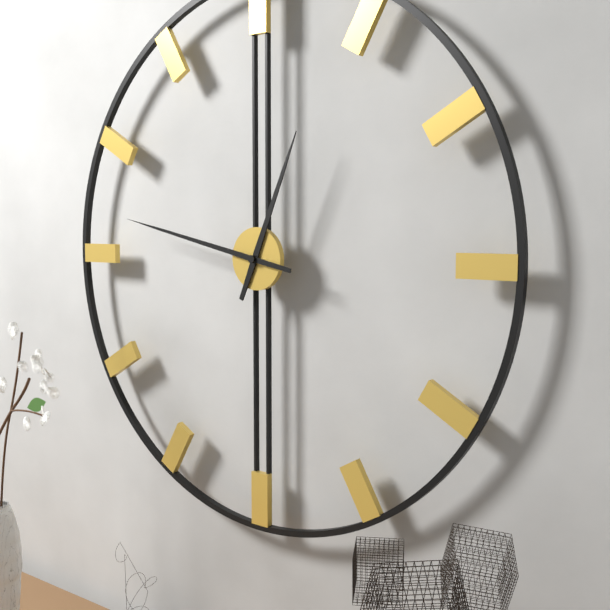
12:47
